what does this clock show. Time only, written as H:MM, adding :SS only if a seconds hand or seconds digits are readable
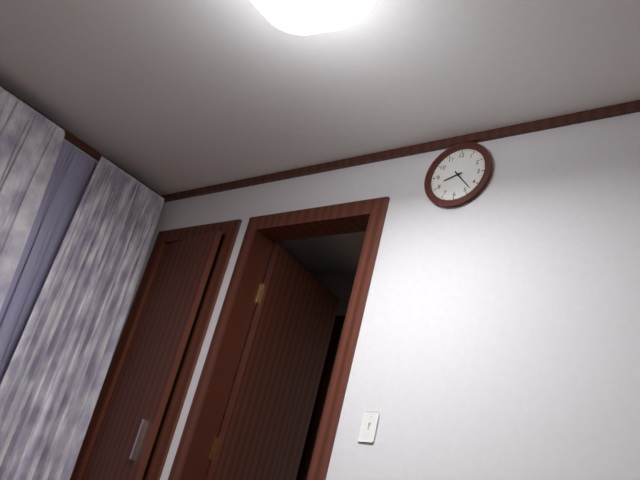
8:23
